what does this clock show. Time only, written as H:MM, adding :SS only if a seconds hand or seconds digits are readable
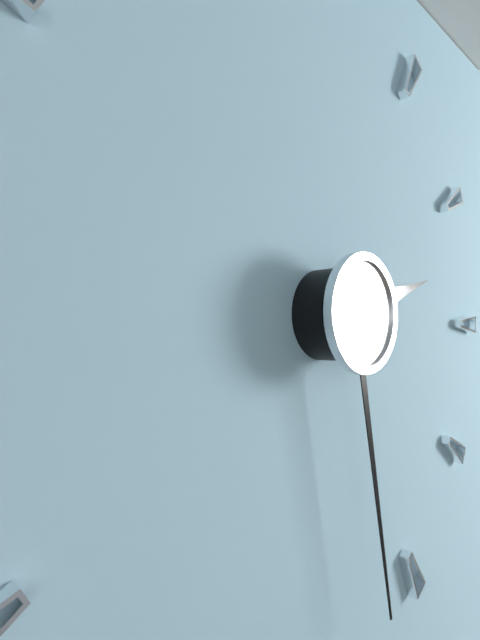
2:28
